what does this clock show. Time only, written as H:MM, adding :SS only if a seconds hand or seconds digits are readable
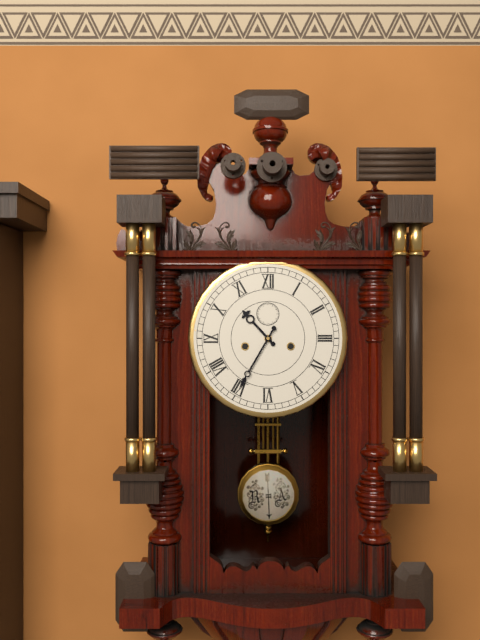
10:35
